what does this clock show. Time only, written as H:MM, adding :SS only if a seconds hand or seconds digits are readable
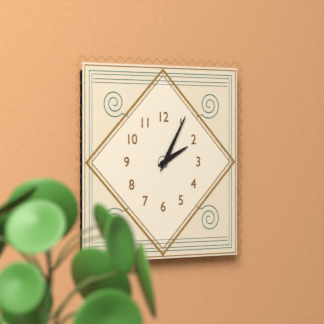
2:05
